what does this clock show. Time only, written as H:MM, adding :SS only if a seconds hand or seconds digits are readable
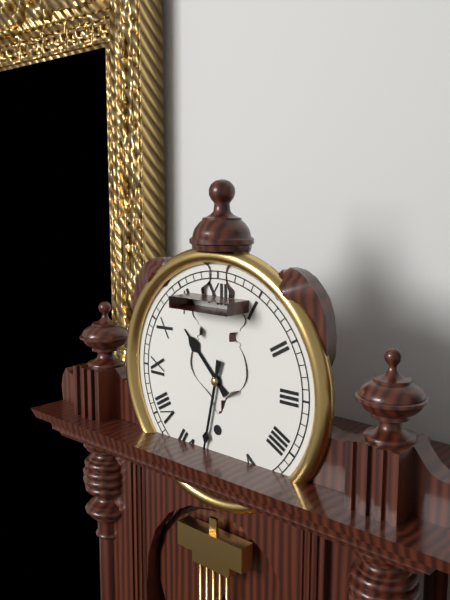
10:32
